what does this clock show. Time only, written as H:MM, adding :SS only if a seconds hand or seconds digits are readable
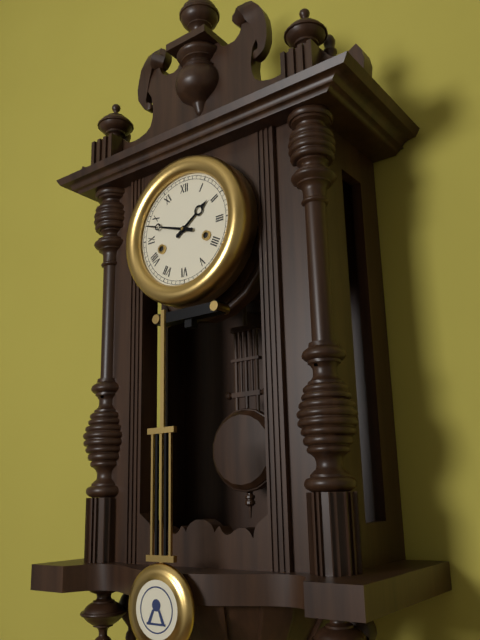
1:48
